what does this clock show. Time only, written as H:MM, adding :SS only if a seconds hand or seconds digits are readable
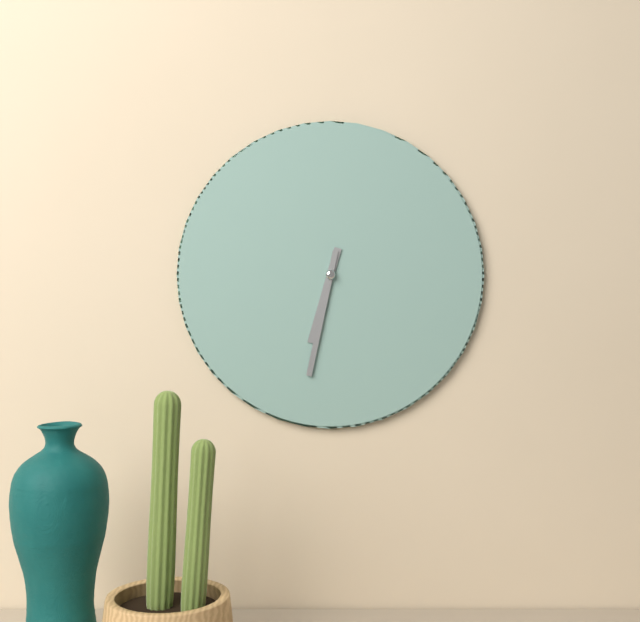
6:32
